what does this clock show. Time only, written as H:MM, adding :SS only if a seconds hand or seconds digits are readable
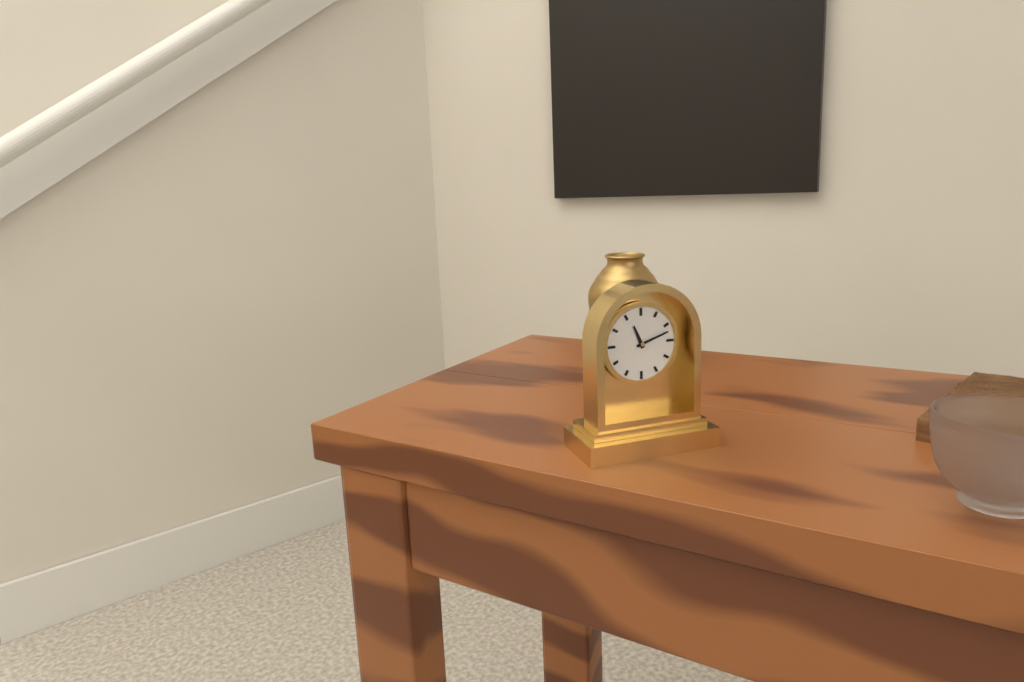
11:12
